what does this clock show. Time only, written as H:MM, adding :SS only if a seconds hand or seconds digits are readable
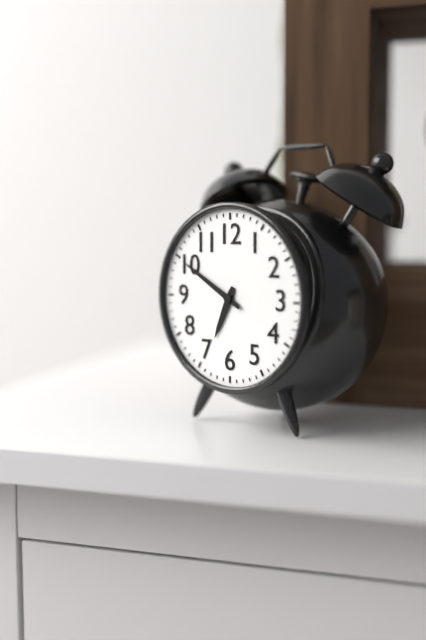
6:50
